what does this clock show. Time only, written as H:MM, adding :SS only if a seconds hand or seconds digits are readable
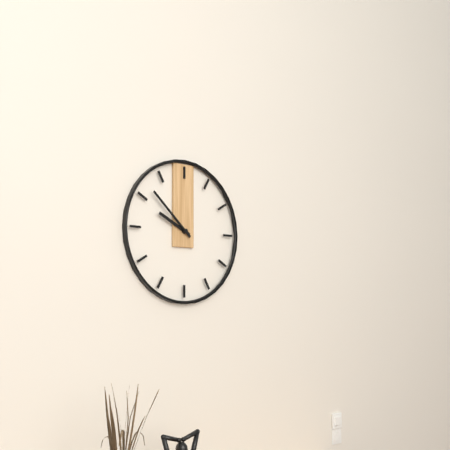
9:52
